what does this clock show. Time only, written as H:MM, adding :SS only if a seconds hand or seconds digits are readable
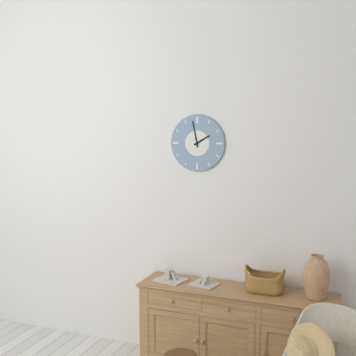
1:58
